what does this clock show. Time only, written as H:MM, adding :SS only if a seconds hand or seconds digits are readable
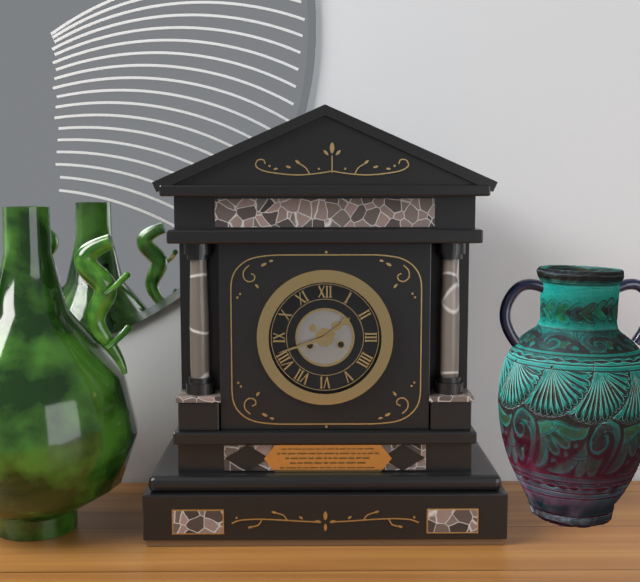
1:42
